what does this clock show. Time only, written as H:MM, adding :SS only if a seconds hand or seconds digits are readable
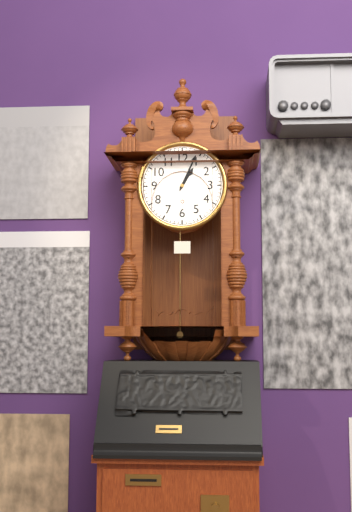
1:04
